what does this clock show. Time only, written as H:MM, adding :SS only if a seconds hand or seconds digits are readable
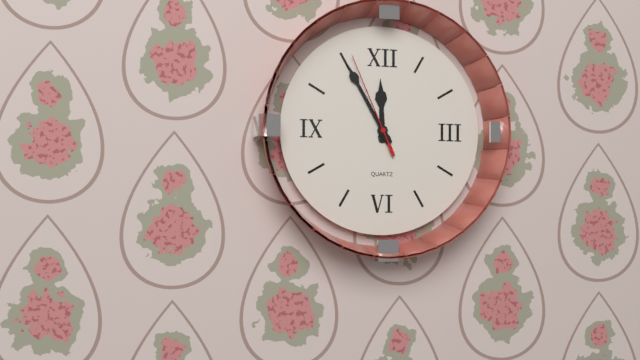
11:55:56
